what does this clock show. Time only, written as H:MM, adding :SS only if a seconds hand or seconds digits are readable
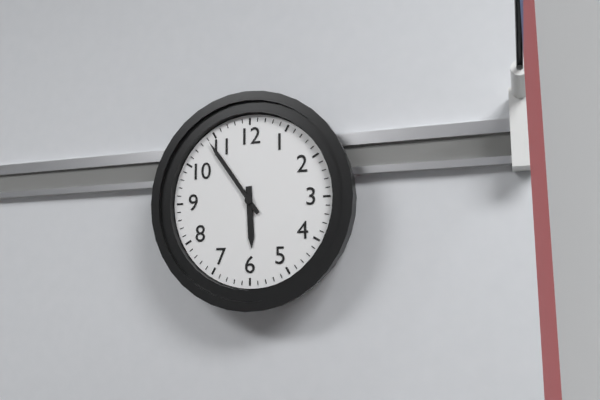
5:54
